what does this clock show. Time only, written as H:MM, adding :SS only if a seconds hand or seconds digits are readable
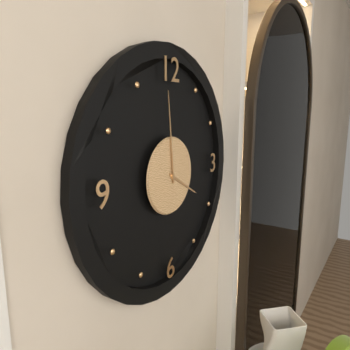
3:59
